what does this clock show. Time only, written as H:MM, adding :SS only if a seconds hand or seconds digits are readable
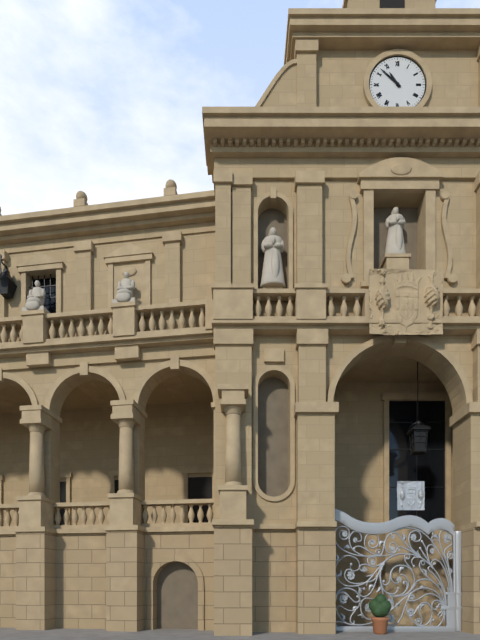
10:52
